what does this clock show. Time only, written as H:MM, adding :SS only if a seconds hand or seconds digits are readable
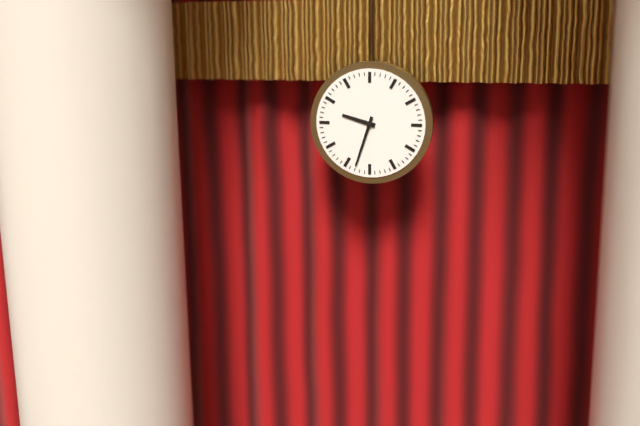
9:33
